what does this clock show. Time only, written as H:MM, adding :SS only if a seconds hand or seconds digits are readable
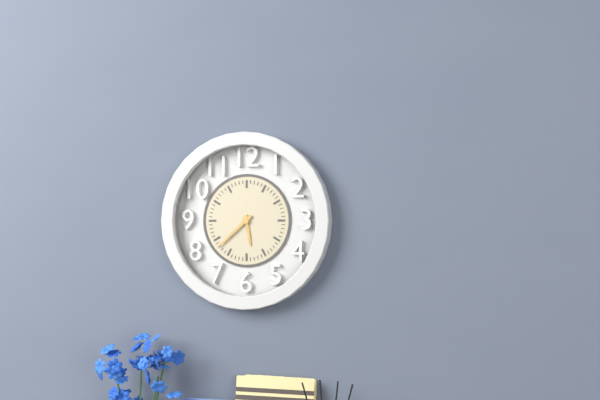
5:38
